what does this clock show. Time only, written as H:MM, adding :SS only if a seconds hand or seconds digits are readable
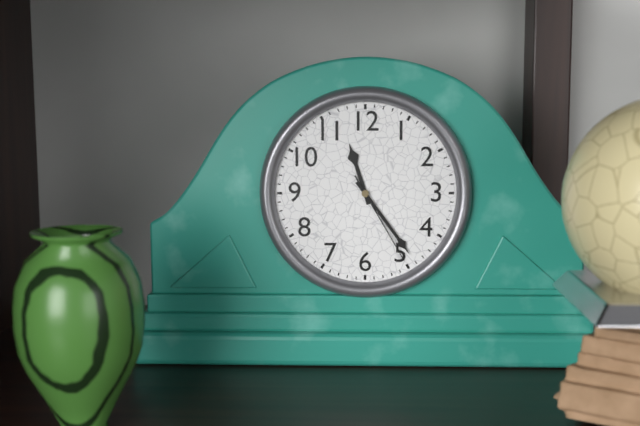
11:24:25
